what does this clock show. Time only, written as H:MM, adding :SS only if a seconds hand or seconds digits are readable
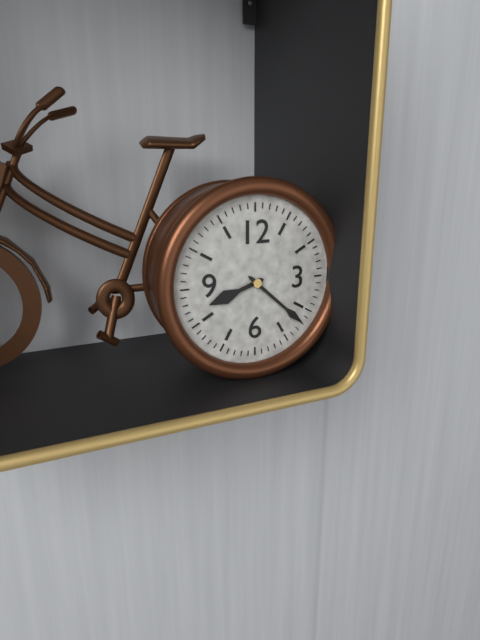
8:22
